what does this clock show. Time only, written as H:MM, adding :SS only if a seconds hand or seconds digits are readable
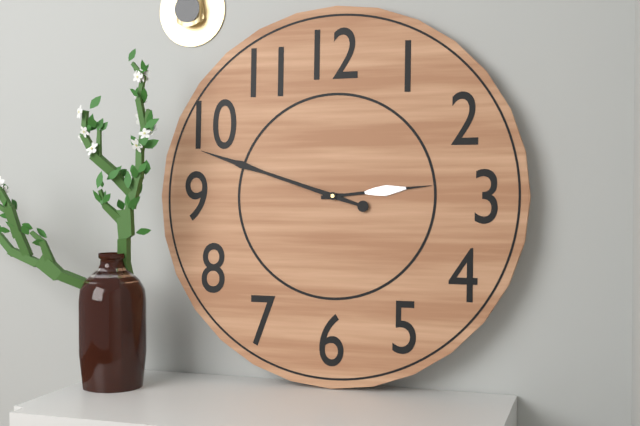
2:48
